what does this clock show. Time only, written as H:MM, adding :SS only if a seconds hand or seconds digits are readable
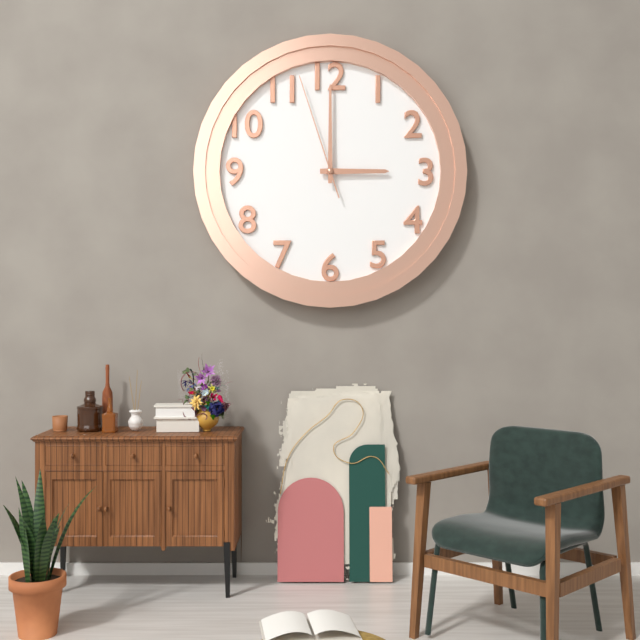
3:00:57
